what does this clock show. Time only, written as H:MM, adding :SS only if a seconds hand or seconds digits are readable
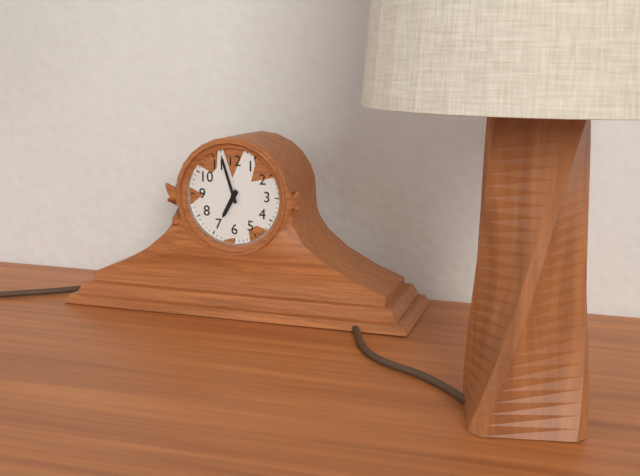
6:57
